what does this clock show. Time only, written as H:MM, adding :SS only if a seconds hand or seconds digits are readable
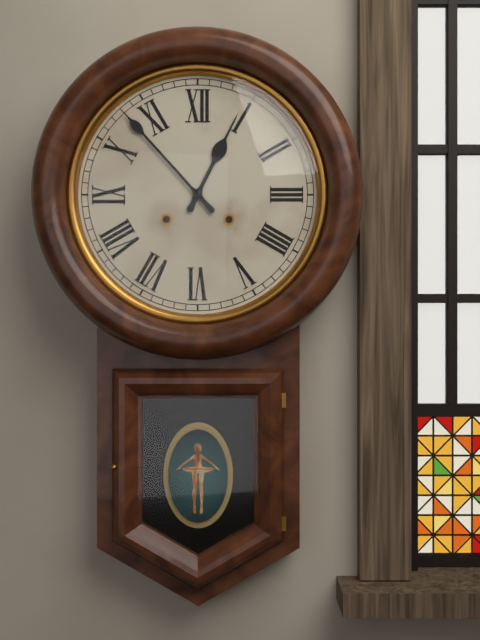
12:53
